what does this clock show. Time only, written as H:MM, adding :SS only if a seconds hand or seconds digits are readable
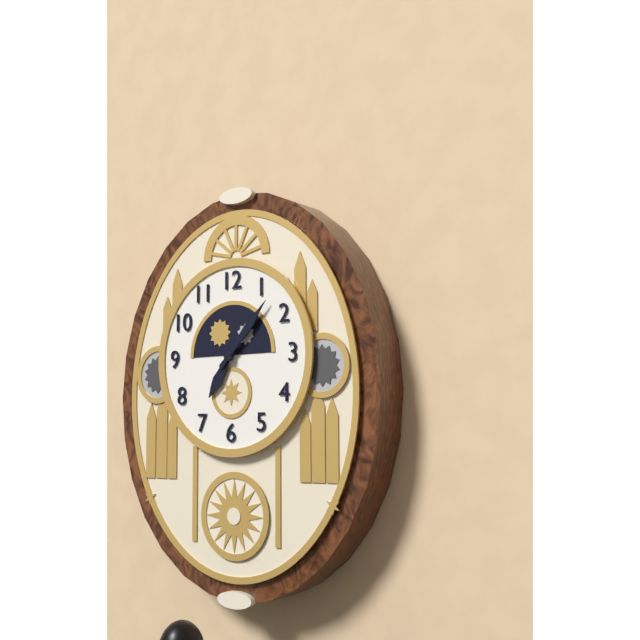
7:07
